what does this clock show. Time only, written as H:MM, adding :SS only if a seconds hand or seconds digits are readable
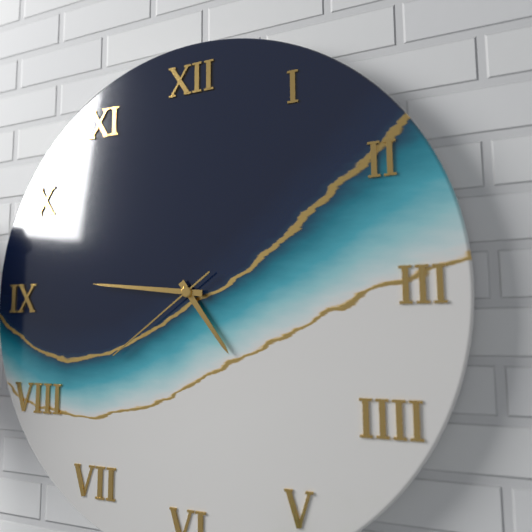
4:46:39
